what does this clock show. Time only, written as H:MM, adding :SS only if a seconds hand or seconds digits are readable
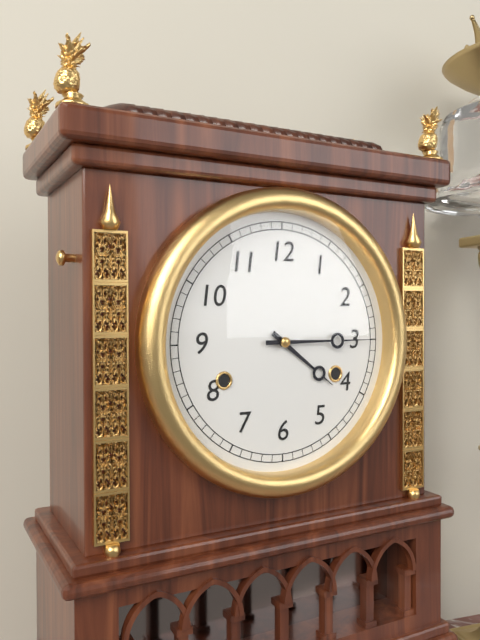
4:15
